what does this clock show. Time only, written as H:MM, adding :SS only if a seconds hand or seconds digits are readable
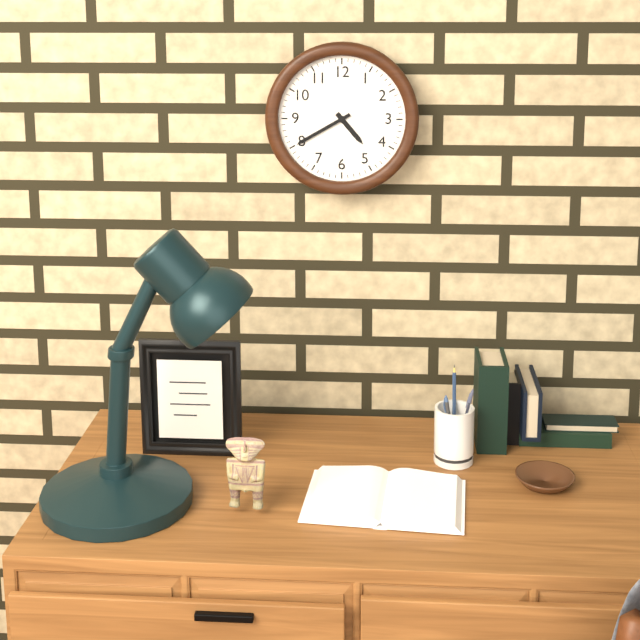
4:40
